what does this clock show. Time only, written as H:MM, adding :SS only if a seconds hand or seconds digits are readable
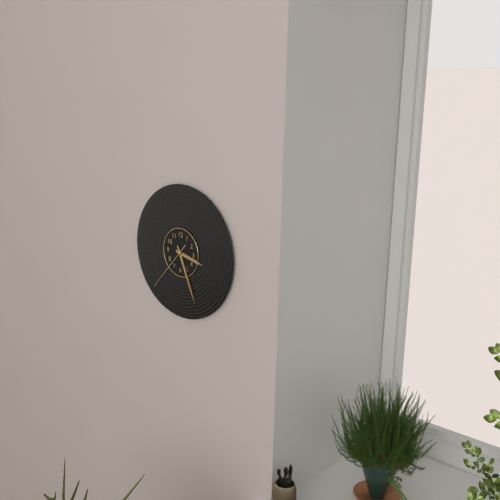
3:26:37
